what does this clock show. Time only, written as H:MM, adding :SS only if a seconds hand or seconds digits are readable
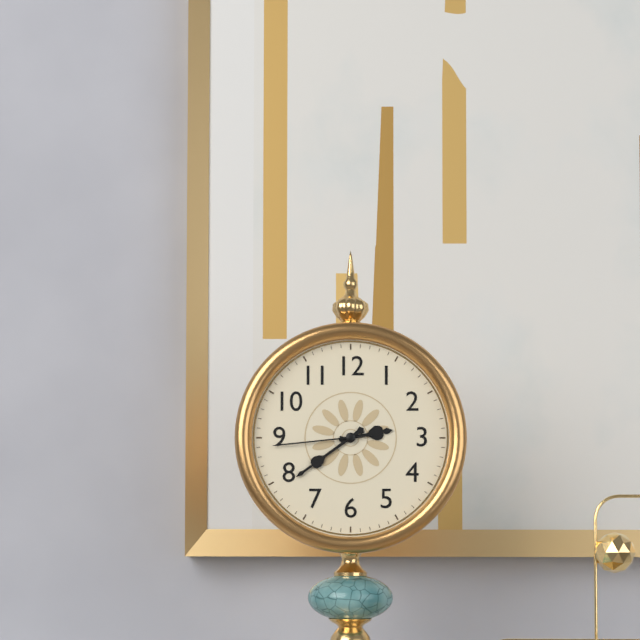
2:39:44
